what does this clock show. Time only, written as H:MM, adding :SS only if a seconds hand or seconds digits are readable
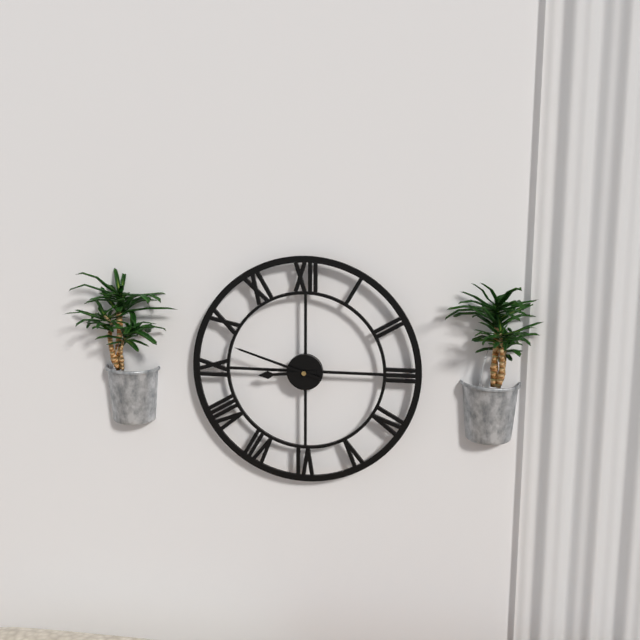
8:48
